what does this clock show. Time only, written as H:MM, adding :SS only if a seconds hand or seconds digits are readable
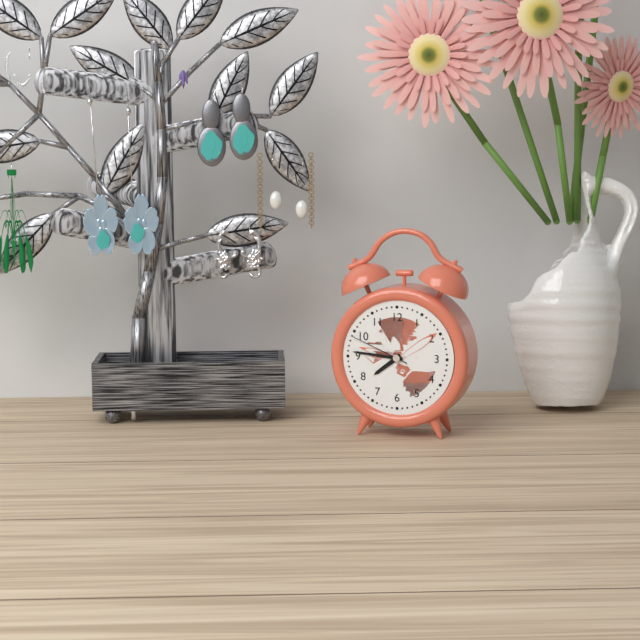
7:46:49
